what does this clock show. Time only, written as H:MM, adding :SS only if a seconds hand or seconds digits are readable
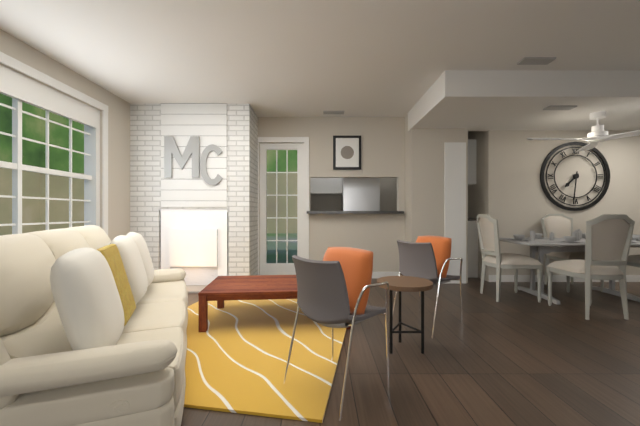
7:31
